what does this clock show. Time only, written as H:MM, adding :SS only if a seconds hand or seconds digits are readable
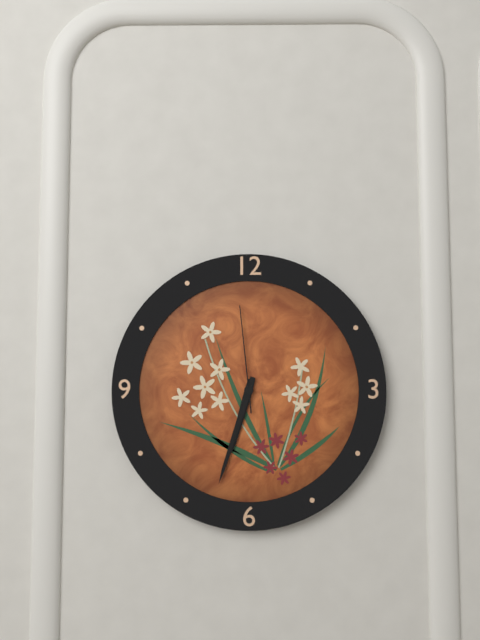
6:33:59
